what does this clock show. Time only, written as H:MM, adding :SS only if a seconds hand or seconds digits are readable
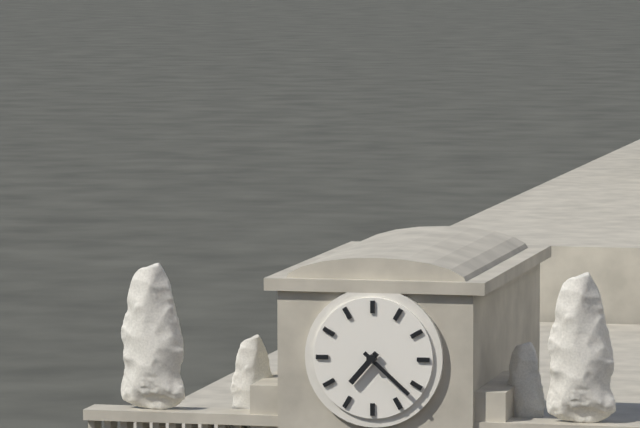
7:22
